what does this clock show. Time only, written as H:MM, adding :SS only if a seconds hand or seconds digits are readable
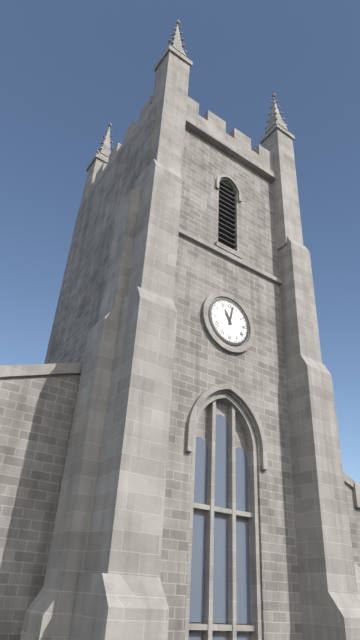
11:02
